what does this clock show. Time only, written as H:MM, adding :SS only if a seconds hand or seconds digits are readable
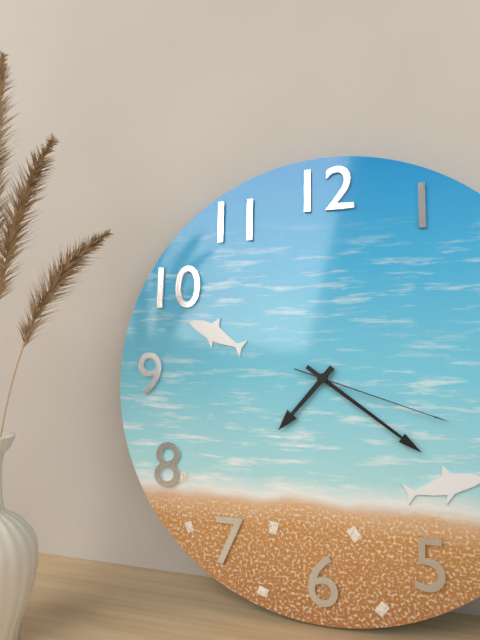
7:21:18
